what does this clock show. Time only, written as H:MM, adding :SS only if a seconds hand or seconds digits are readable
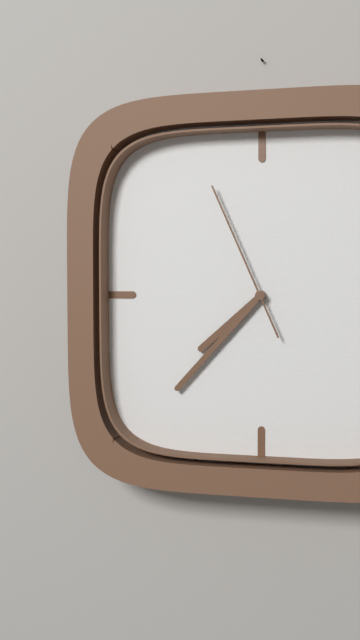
7:37:56
